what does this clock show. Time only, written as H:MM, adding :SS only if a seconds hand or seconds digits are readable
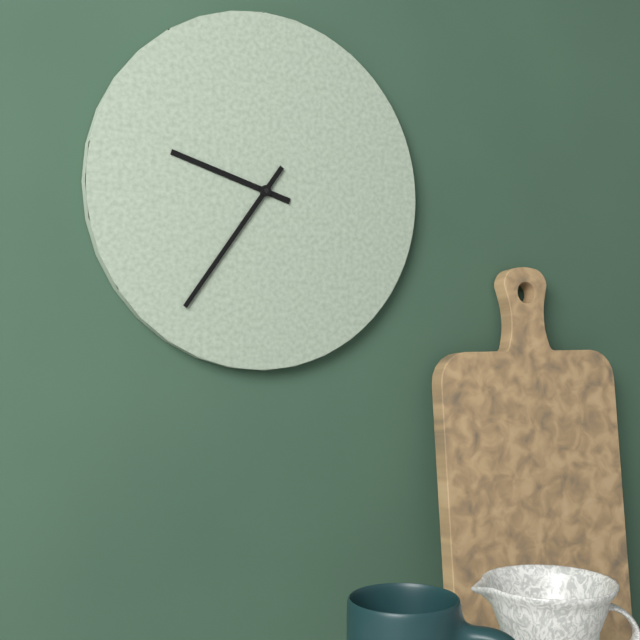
9:36
